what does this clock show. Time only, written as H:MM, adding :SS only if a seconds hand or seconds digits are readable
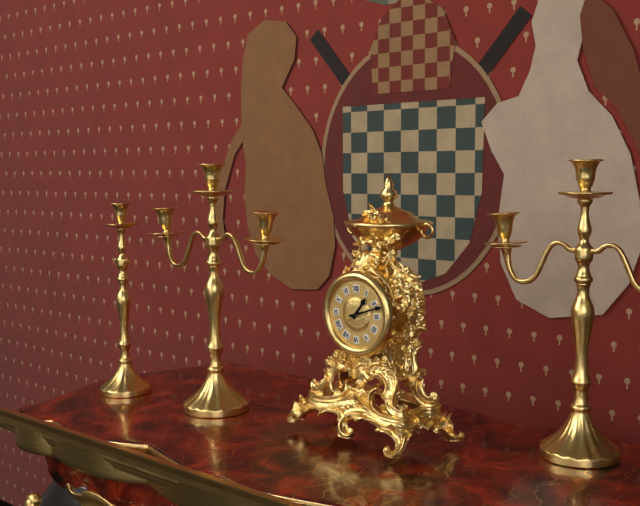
1:12
